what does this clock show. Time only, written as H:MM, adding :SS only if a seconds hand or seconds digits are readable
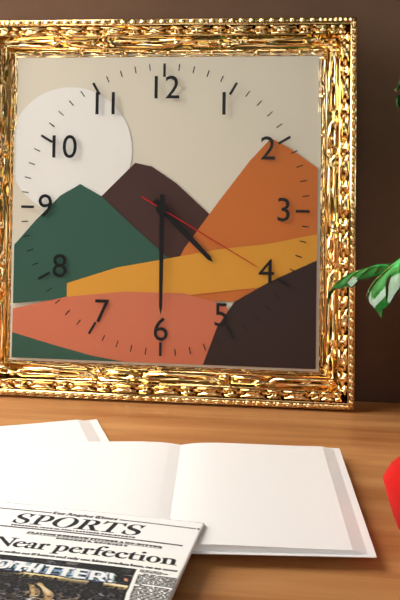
4:30:20
